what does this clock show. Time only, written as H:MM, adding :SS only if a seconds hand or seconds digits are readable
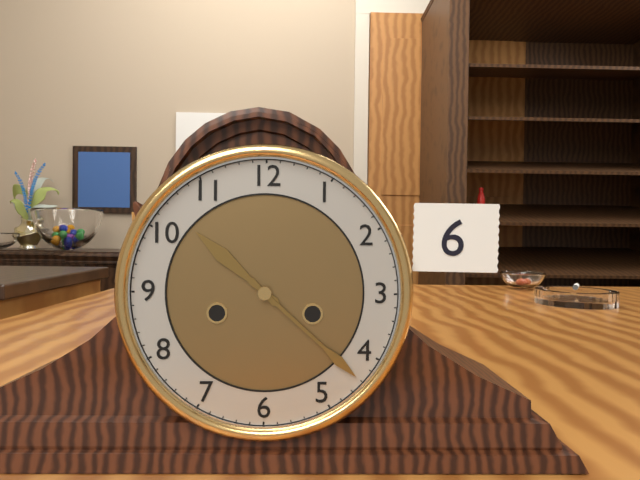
10:22
